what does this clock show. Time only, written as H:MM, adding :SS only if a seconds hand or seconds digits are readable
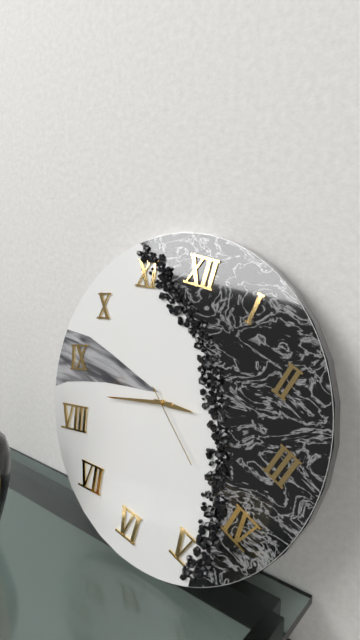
2:42:21
